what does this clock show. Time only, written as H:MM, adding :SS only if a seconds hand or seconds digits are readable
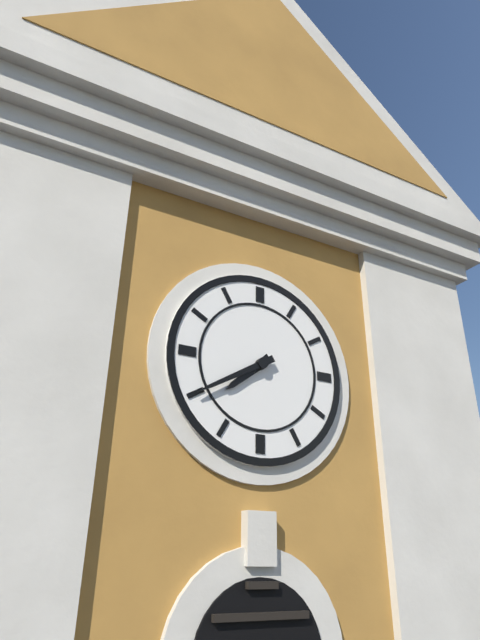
7:40
